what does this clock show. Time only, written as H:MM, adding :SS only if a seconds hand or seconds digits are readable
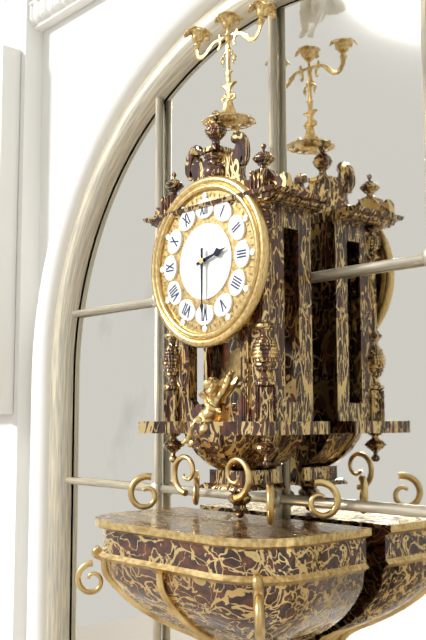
2:30
